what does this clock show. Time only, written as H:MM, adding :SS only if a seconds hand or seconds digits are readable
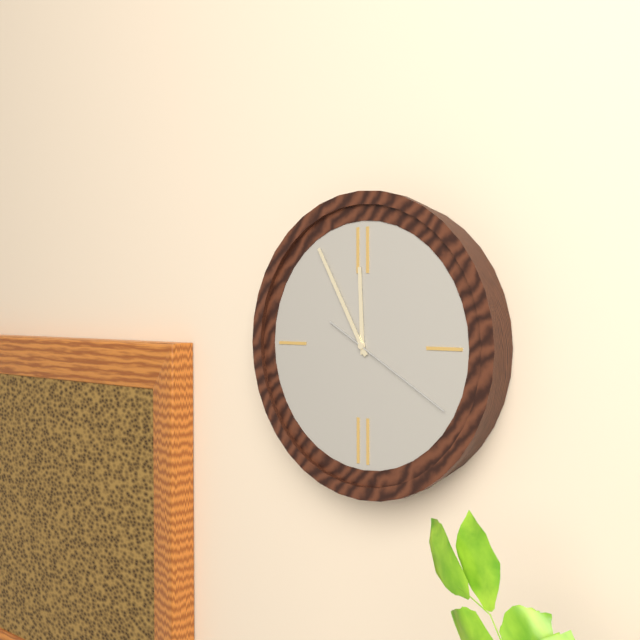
11:55:20
